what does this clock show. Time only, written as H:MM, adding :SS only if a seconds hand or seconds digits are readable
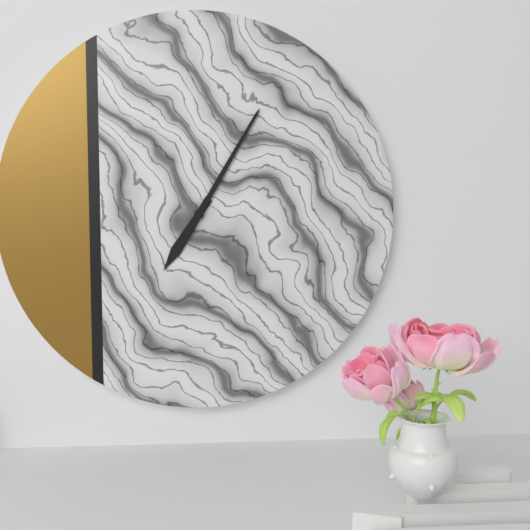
7:05
